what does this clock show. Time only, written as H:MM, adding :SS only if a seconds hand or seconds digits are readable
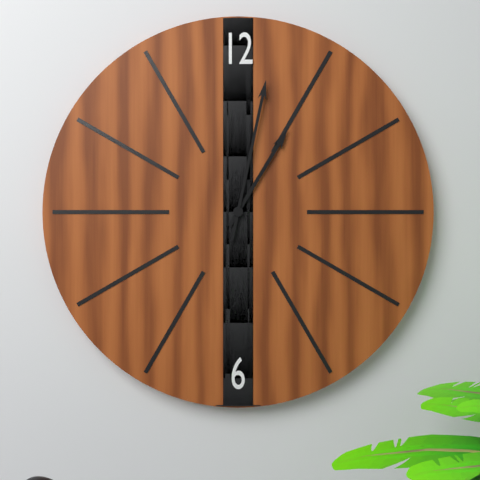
1:02
